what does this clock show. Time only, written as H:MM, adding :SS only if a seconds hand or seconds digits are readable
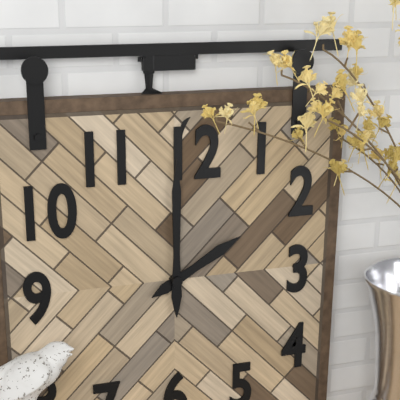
2:00
